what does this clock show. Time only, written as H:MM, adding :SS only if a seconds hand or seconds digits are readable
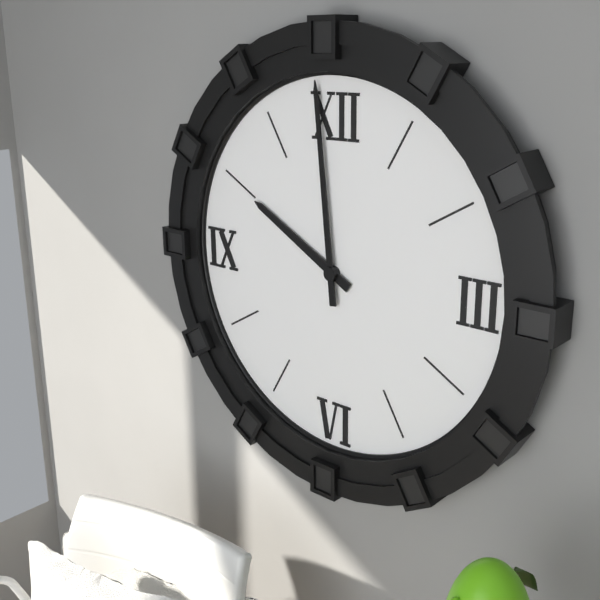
9:59
